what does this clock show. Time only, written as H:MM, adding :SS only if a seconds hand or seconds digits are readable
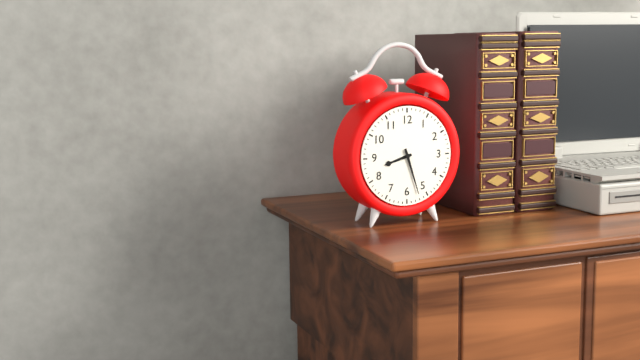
8:27
